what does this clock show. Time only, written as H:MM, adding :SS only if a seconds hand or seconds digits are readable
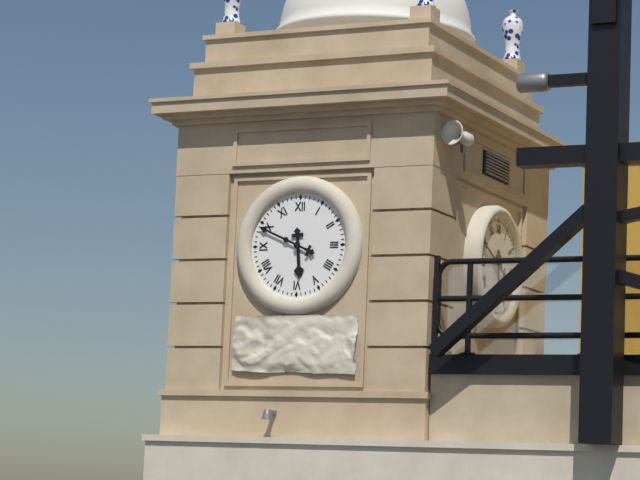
5:49
